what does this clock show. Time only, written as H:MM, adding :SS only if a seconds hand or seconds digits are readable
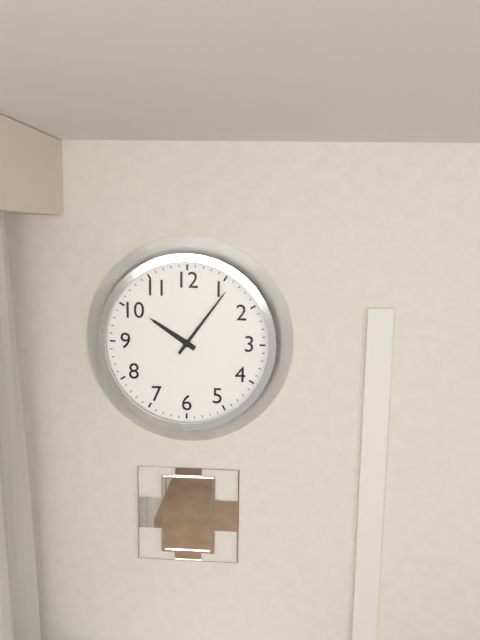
10:06
